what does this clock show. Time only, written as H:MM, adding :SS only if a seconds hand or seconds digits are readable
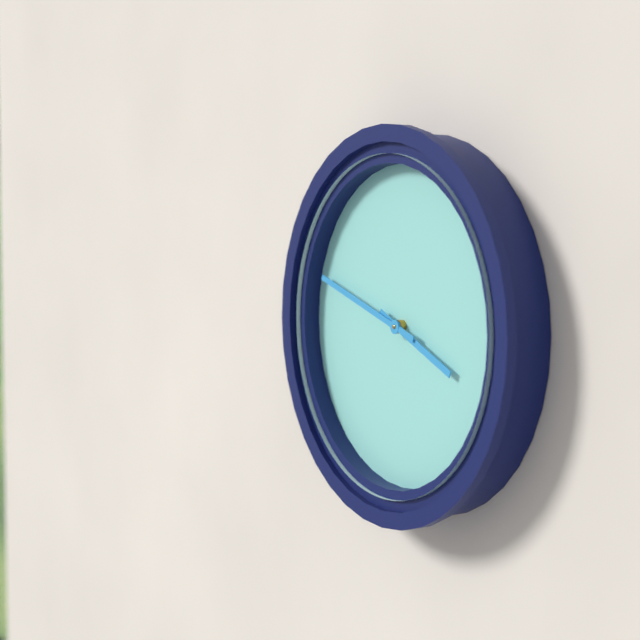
3:48
